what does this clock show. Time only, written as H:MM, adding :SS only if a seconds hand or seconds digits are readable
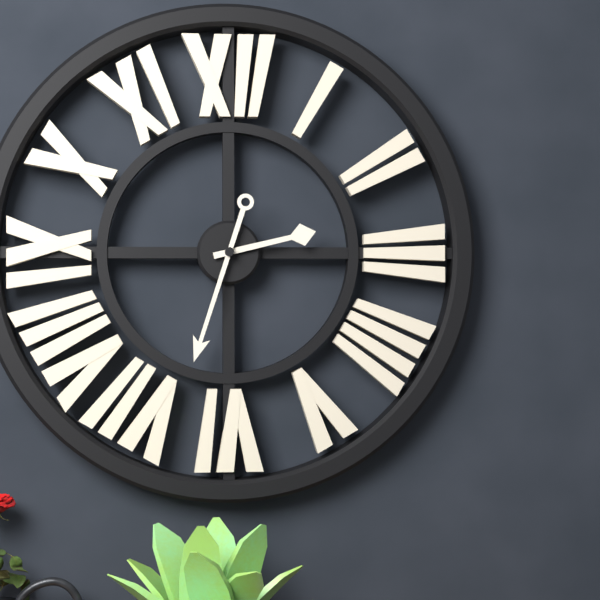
2:33
